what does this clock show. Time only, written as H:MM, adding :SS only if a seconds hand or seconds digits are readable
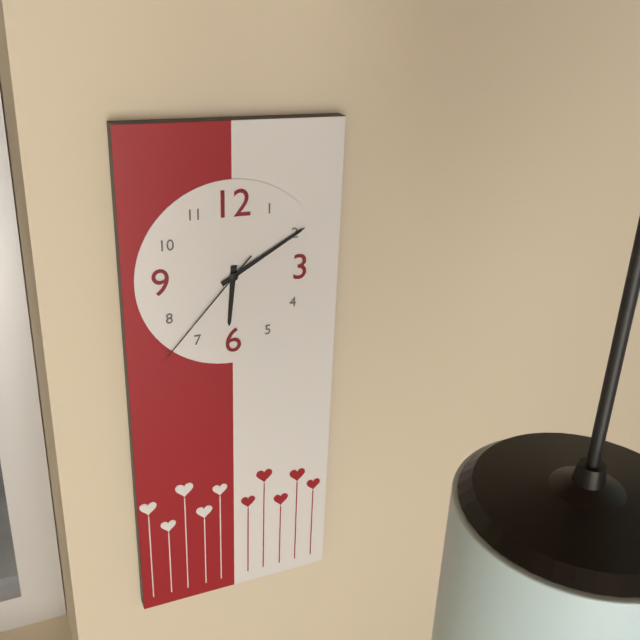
6:10:37
